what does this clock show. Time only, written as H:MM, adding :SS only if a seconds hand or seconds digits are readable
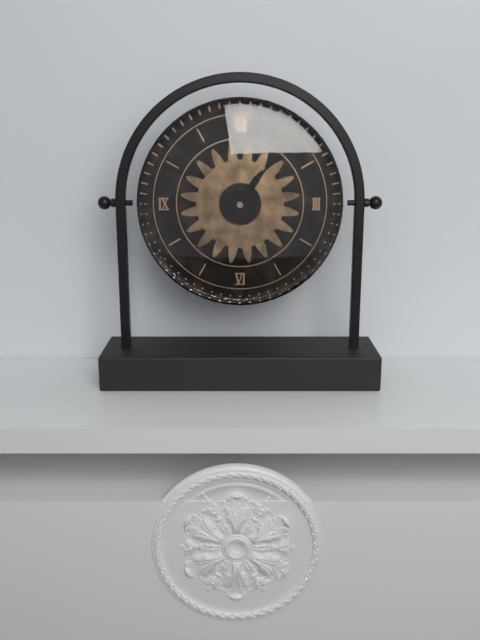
1:06
